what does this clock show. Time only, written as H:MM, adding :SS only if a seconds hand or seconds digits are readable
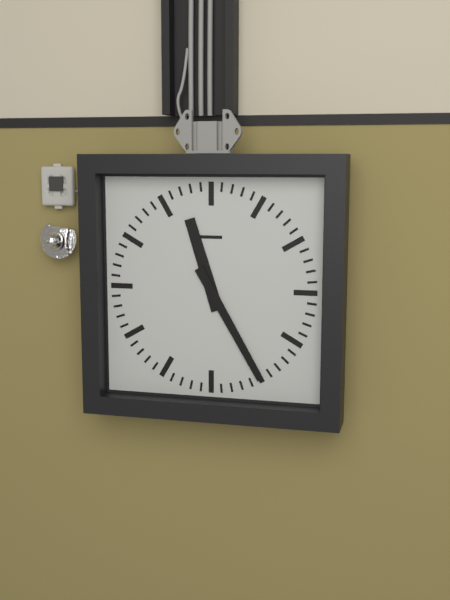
11:25
